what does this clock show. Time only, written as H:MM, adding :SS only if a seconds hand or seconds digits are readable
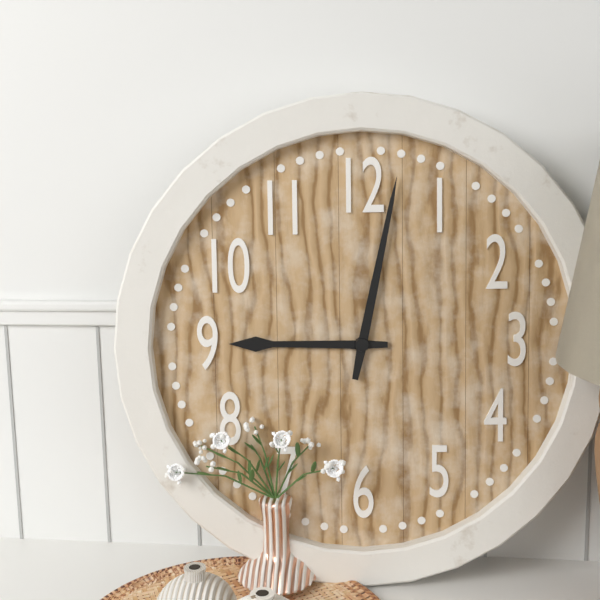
9:02
